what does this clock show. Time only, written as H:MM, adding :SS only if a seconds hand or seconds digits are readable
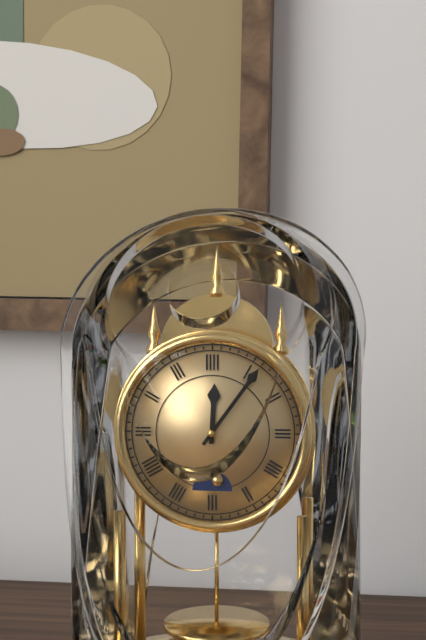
12:06
